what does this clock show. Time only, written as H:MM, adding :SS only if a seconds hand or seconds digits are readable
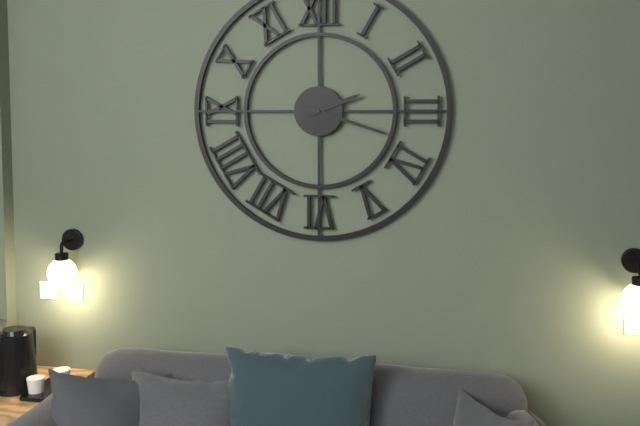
2:18
